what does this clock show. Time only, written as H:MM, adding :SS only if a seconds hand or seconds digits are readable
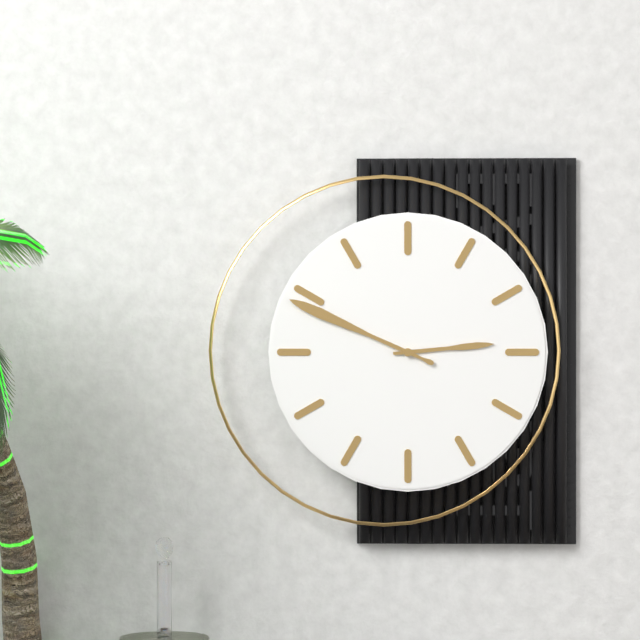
2:49
